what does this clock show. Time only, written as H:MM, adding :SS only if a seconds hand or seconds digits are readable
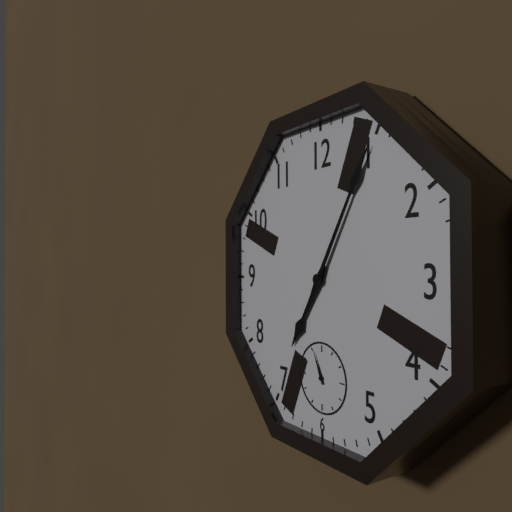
7:05
